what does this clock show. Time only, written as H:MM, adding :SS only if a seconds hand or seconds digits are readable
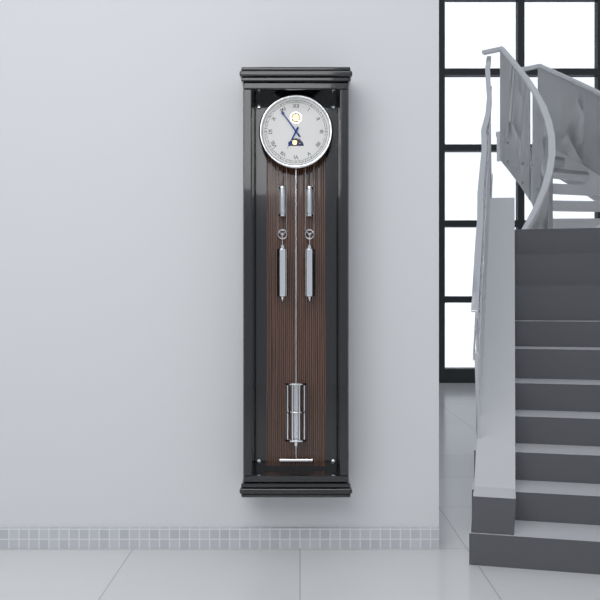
6:54
